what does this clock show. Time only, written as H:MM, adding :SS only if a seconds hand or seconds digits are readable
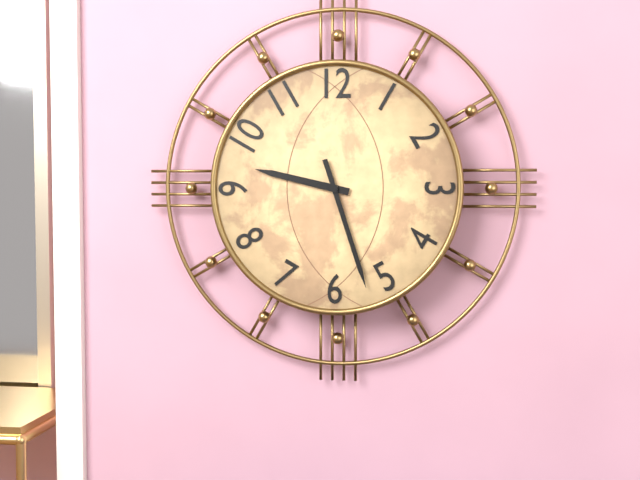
9:27
